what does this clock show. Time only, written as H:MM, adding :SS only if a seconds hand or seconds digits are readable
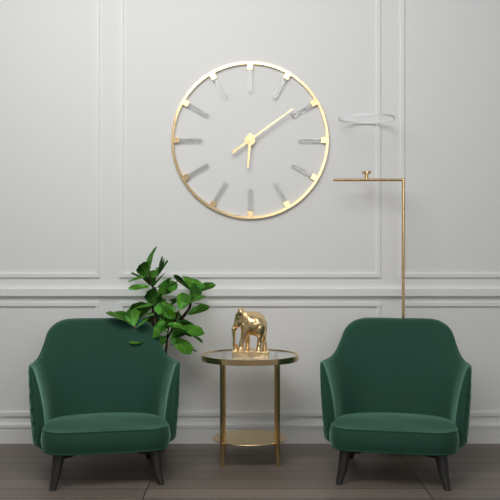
6:09
